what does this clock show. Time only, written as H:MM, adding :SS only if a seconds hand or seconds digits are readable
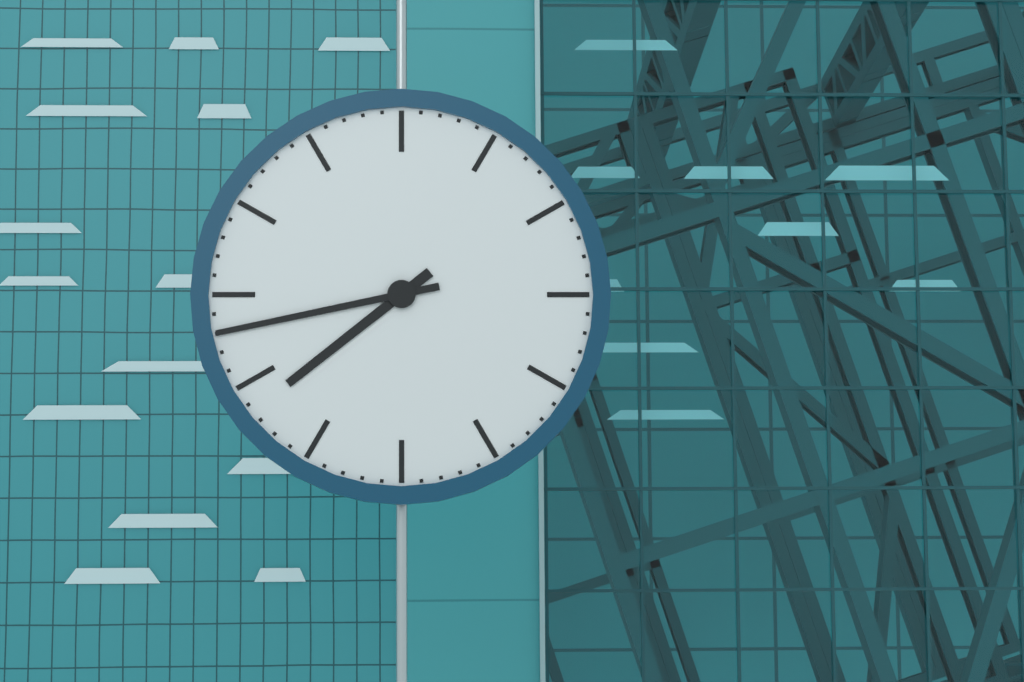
7:43
